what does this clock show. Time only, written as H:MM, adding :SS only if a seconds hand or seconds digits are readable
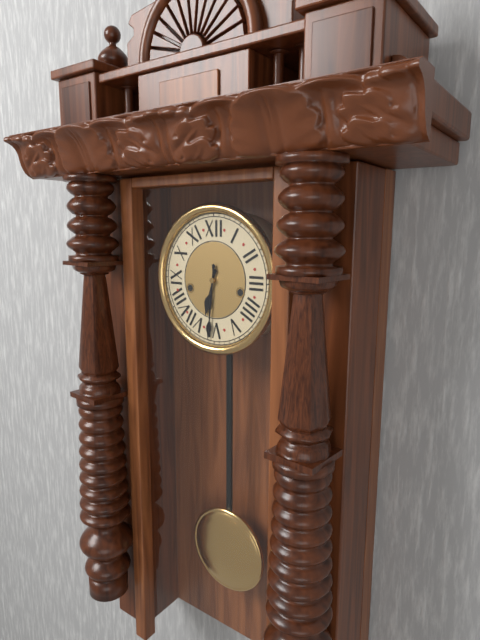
6:31
